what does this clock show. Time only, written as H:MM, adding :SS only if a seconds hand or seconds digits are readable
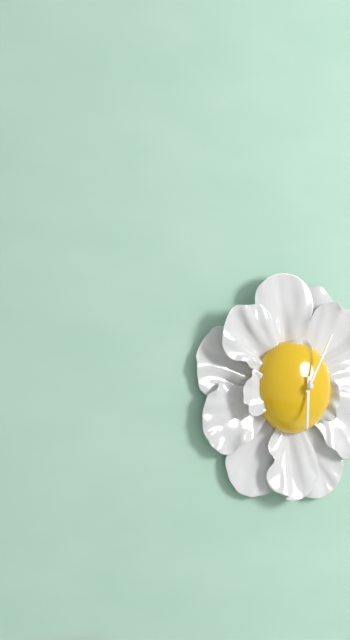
6:05
